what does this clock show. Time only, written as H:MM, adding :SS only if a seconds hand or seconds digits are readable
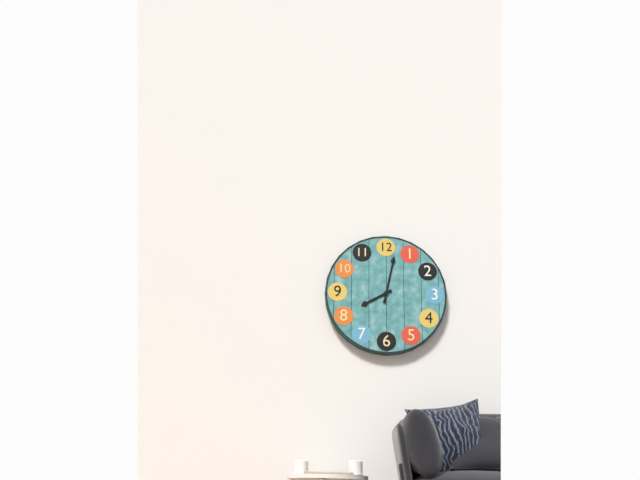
8:02
